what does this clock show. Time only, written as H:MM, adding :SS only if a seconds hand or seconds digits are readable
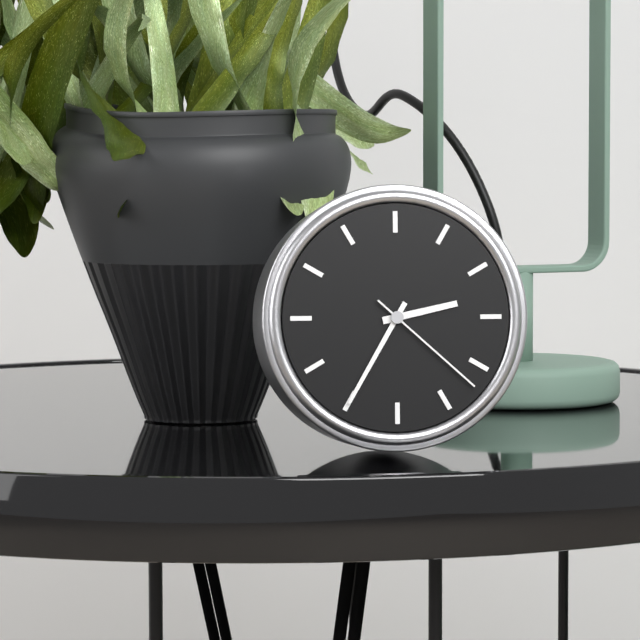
2:35:22
